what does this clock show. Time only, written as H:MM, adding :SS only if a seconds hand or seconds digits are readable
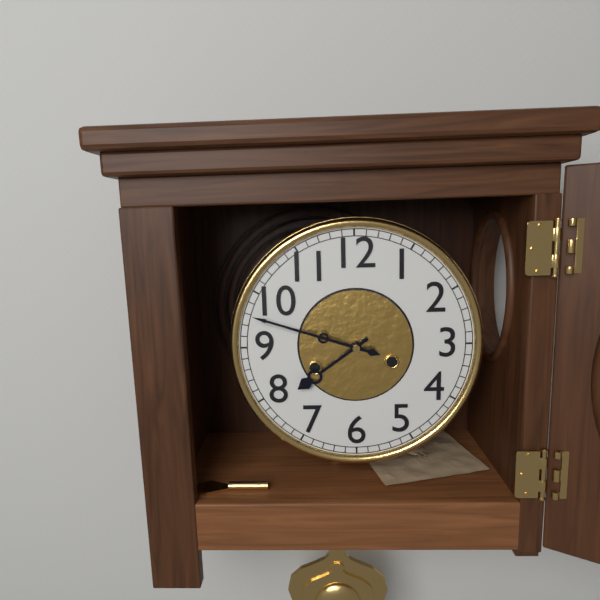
7:48
